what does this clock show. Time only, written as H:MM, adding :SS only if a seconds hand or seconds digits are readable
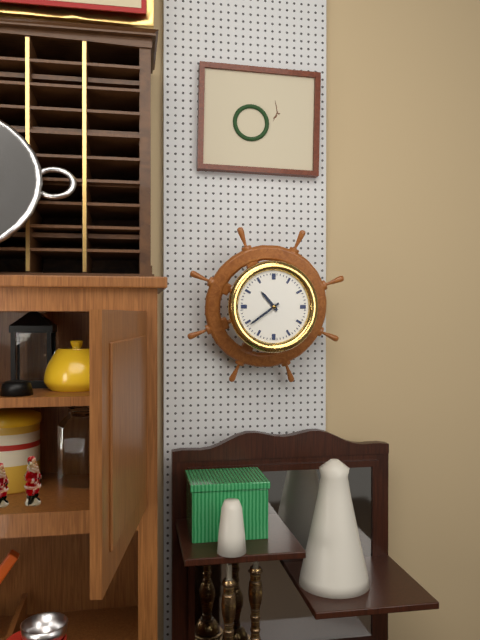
10:39
